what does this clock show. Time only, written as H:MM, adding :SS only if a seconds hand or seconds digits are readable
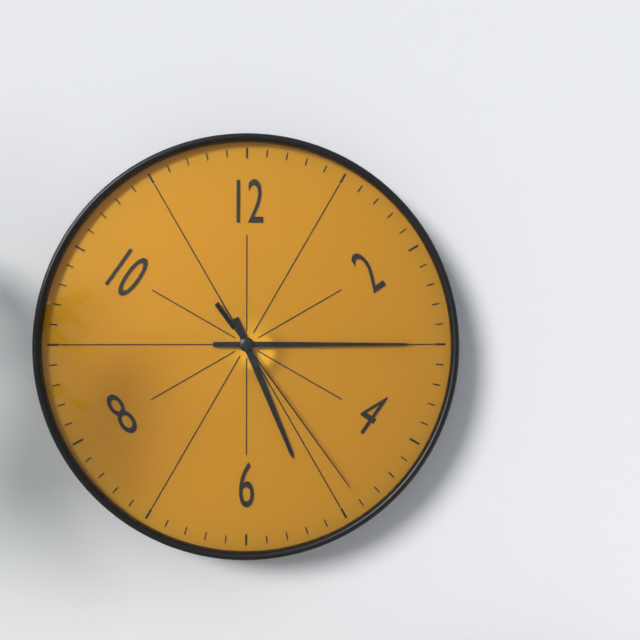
5:15:24
